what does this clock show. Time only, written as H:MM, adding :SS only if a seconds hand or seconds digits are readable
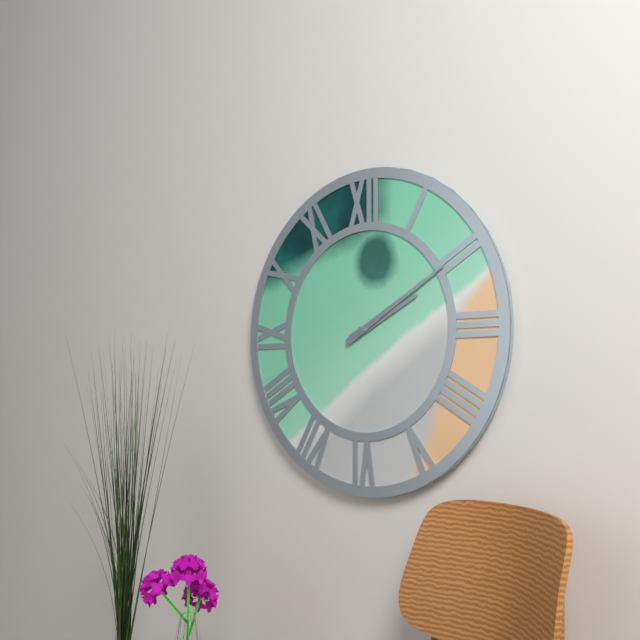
2:10
